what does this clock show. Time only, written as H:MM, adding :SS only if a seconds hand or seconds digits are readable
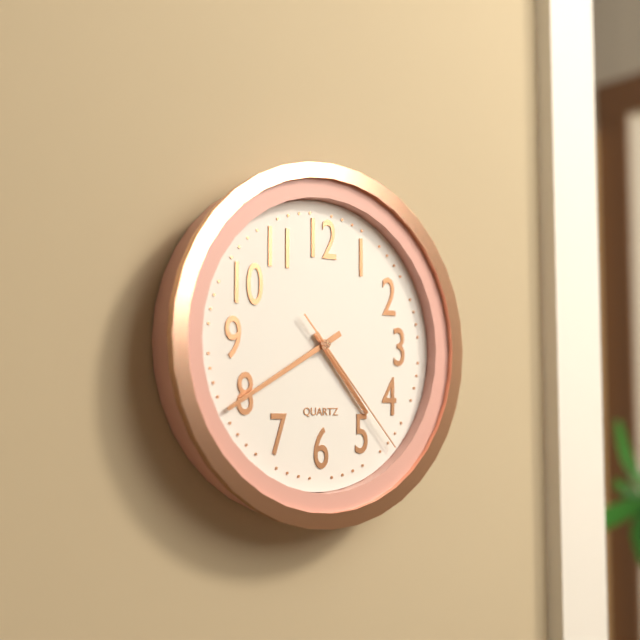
4:40:23
